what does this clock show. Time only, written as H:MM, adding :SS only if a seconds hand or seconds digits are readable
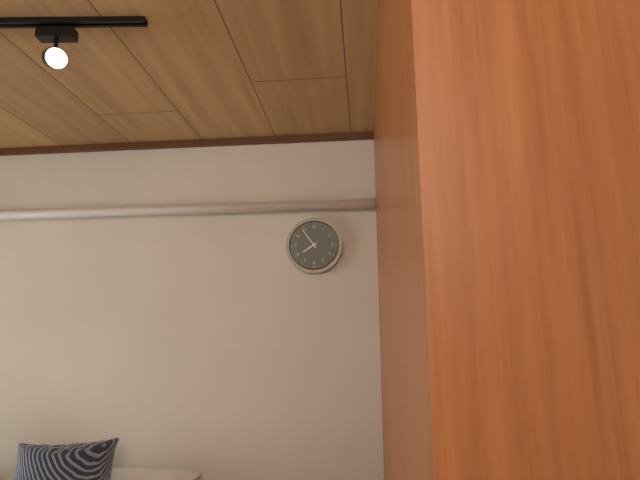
7:54
